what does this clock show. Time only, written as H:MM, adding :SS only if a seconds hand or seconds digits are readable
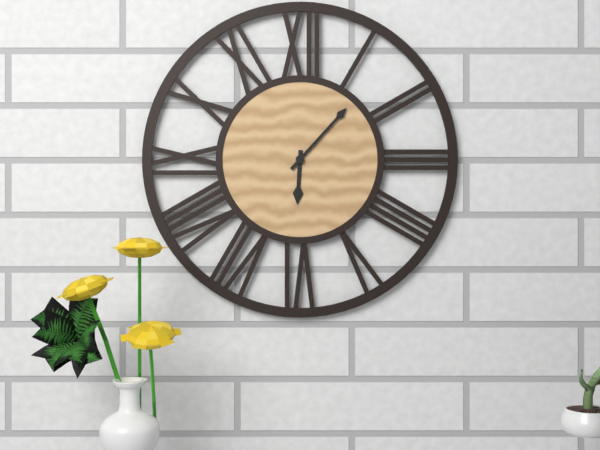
6:07
